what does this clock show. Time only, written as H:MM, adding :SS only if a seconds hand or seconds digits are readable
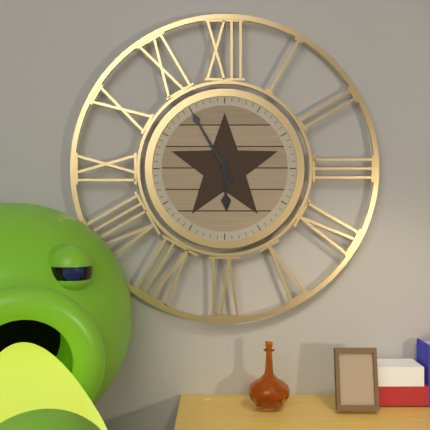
5:55
